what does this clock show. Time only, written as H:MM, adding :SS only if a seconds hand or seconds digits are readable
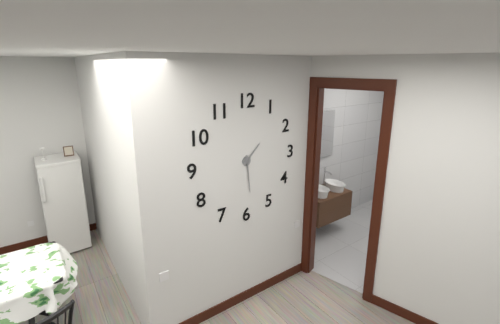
1:29
